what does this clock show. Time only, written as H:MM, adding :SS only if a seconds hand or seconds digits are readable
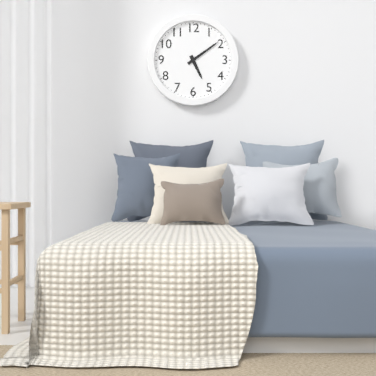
5:09
